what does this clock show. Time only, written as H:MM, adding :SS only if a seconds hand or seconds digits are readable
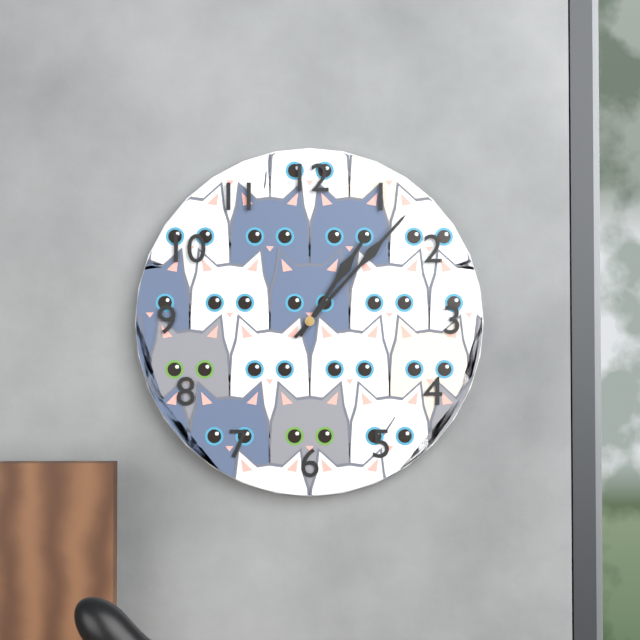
1:07
